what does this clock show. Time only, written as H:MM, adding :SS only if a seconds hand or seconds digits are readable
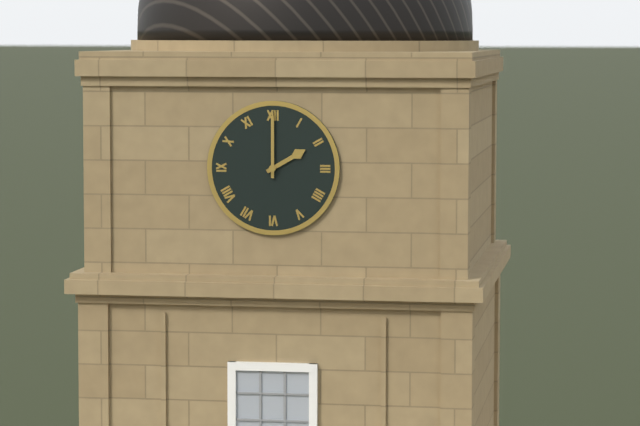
2:00
